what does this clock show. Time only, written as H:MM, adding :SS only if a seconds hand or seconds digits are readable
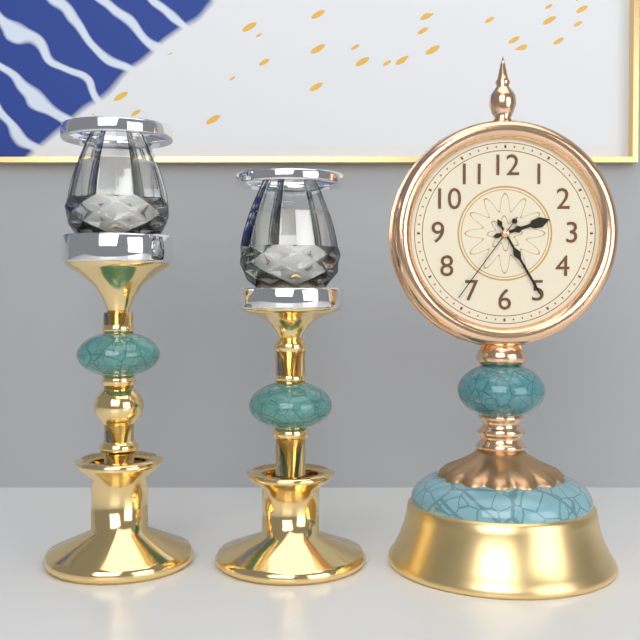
2:25:36
